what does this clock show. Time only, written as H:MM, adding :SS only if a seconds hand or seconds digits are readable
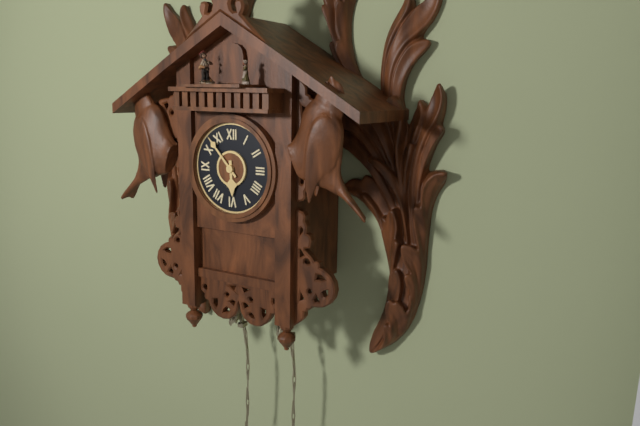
5:53
